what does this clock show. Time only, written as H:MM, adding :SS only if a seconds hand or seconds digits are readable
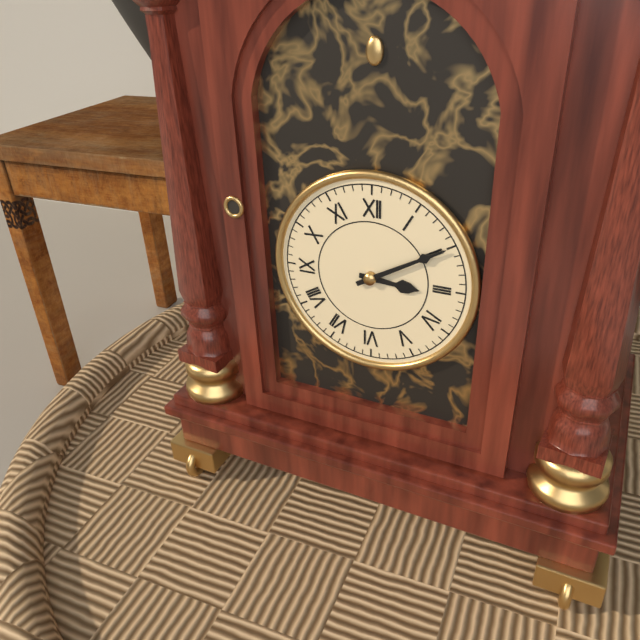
3:10
